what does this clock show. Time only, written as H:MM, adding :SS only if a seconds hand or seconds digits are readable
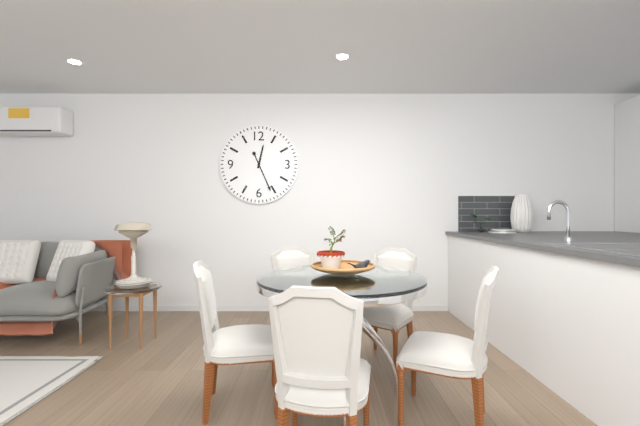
12:26
